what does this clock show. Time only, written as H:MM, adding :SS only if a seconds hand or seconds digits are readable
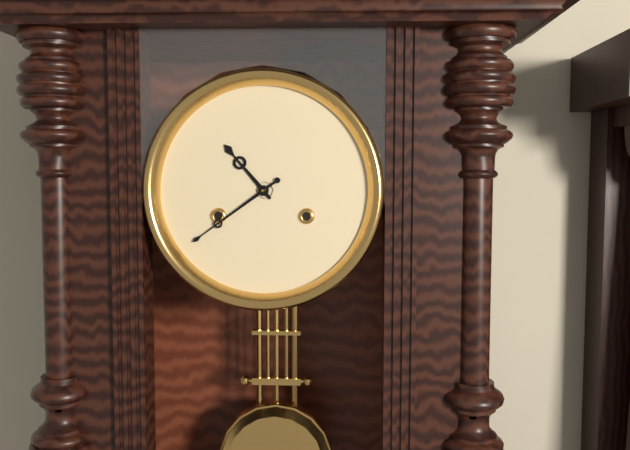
10:39
